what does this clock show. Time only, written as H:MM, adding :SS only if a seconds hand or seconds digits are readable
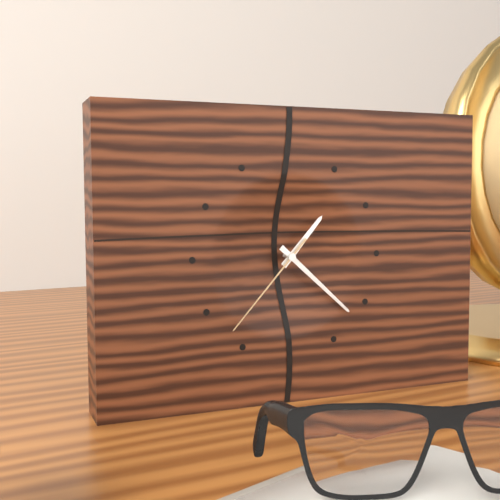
1:22:37
